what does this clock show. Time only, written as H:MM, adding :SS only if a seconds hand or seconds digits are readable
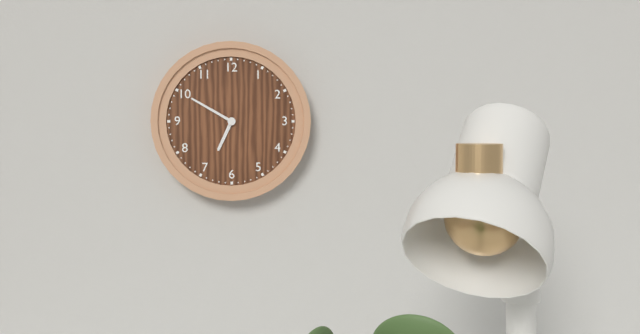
6:50
